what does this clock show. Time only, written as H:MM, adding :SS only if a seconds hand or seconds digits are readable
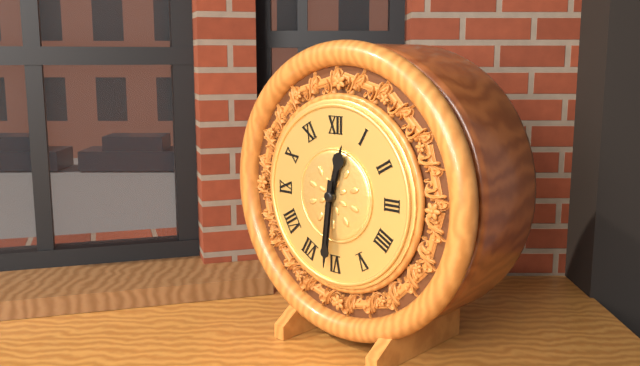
12:31
